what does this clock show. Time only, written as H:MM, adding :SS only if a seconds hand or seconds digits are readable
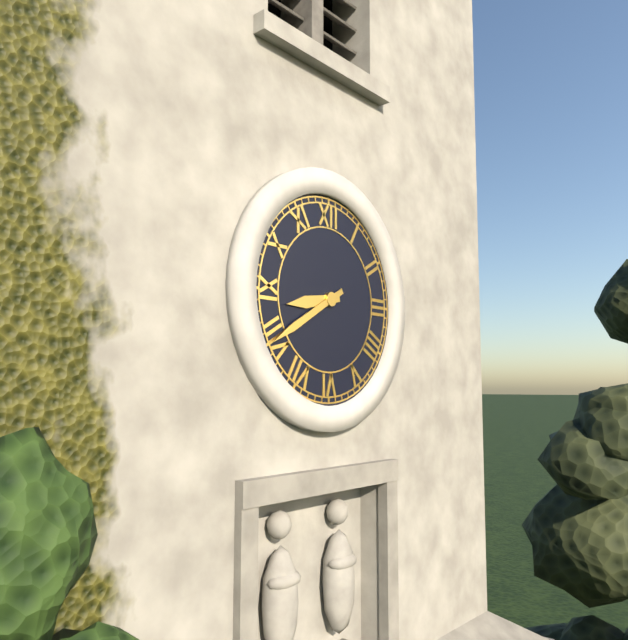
8:40
